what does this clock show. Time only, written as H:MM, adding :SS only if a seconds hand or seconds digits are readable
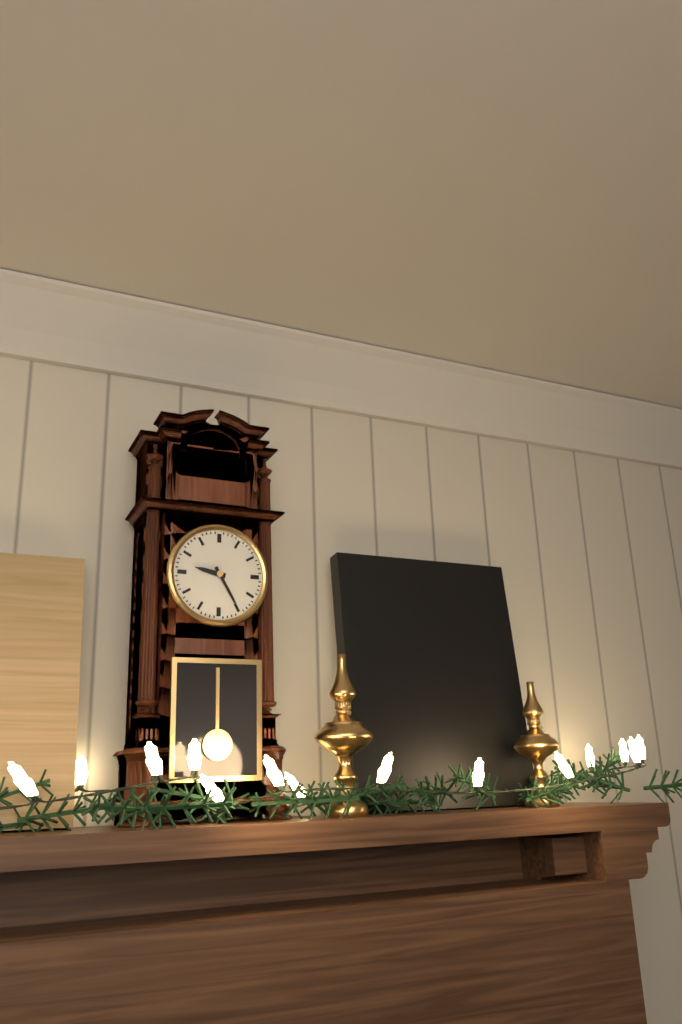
9:25
